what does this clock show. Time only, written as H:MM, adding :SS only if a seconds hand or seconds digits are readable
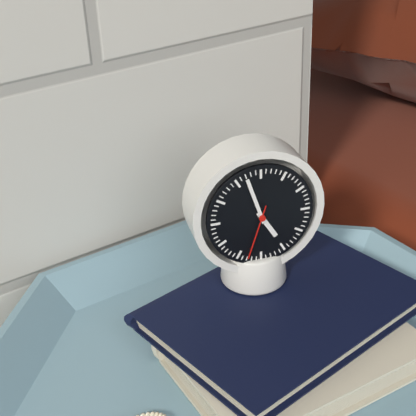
4:57:33
